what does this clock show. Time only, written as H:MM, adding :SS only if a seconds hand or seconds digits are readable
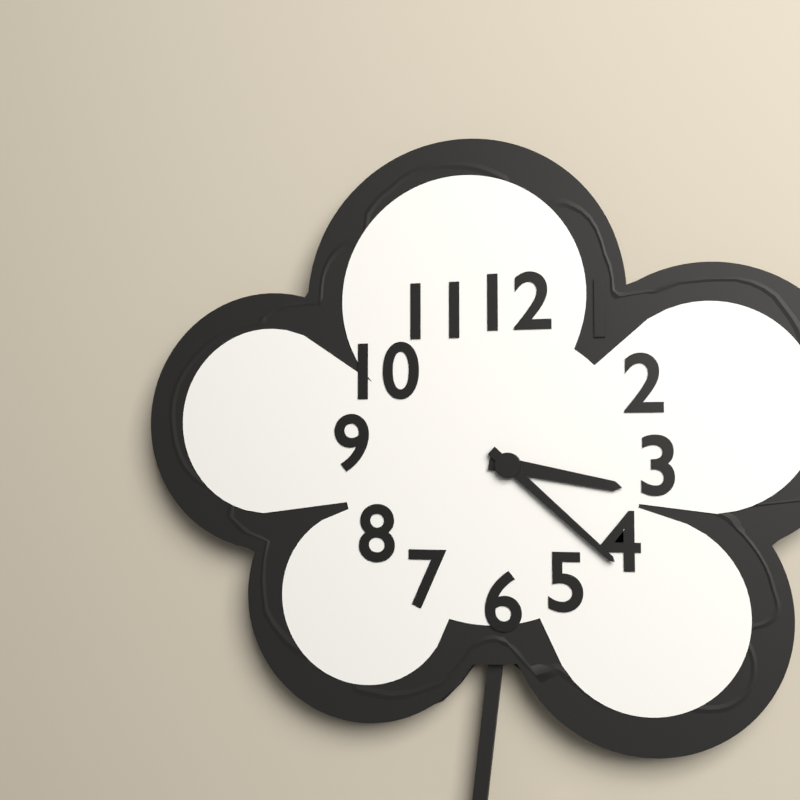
3:22
